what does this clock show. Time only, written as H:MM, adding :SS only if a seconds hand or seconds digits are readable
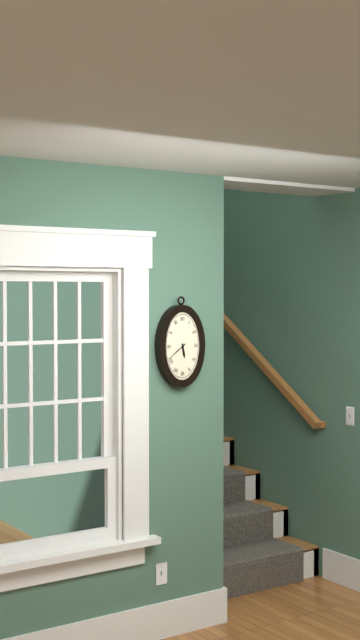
5:39
